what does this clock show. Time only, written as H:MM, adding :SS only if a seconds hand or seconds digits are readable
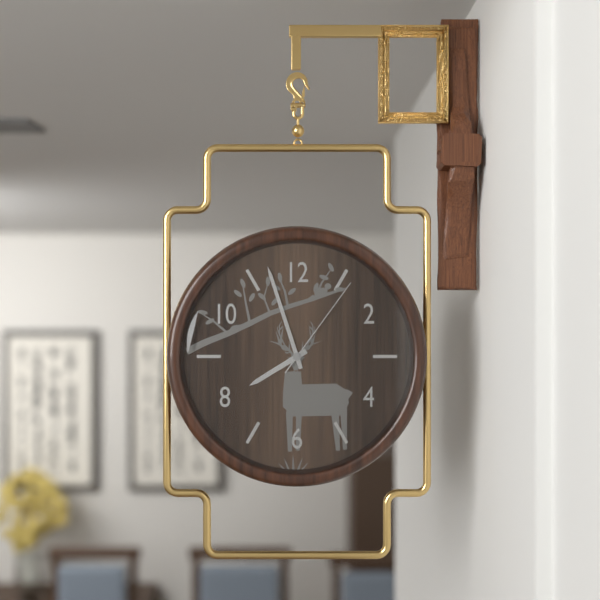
7:57:06
